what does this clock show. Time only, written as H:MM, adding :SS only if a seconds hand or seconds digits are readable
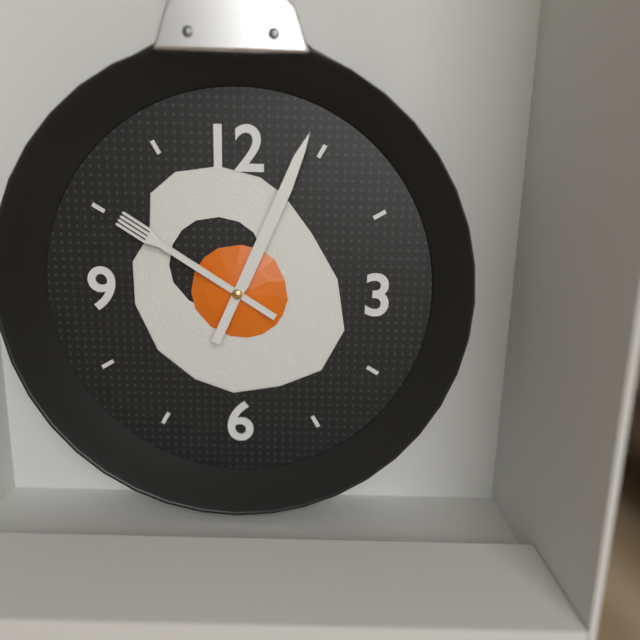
10:04
